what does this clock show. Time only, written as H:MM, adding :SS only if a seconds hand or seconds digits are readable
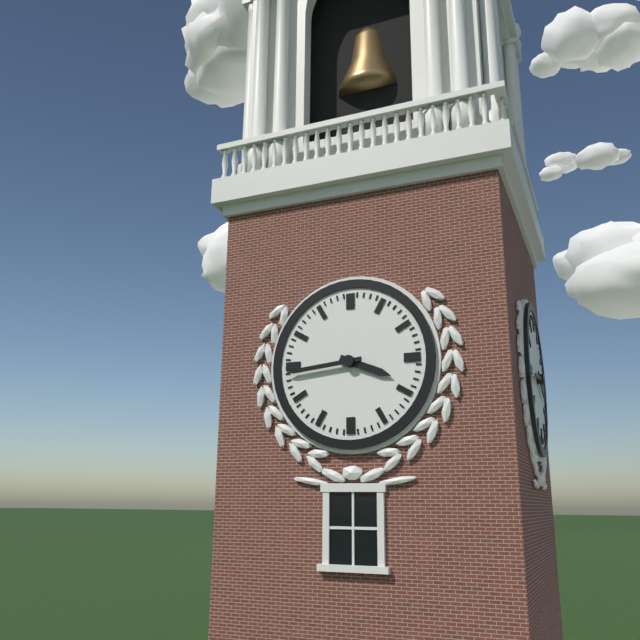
3:44
